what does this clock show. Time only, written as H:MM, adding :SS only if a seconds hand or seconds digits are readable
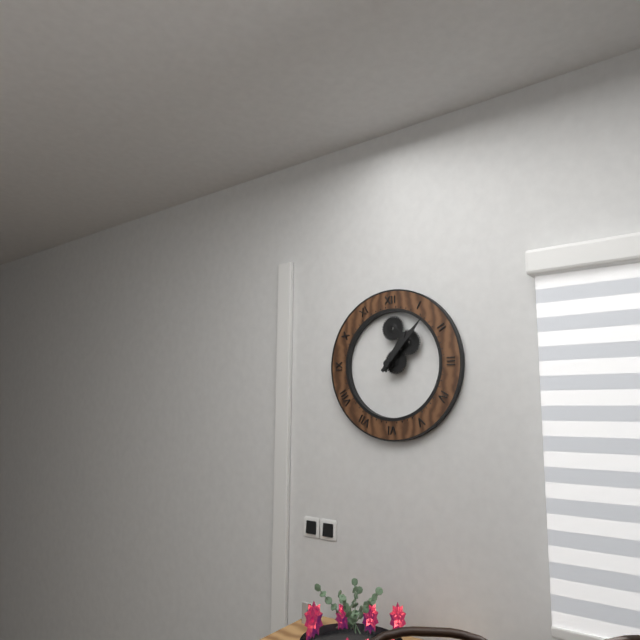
1:07
